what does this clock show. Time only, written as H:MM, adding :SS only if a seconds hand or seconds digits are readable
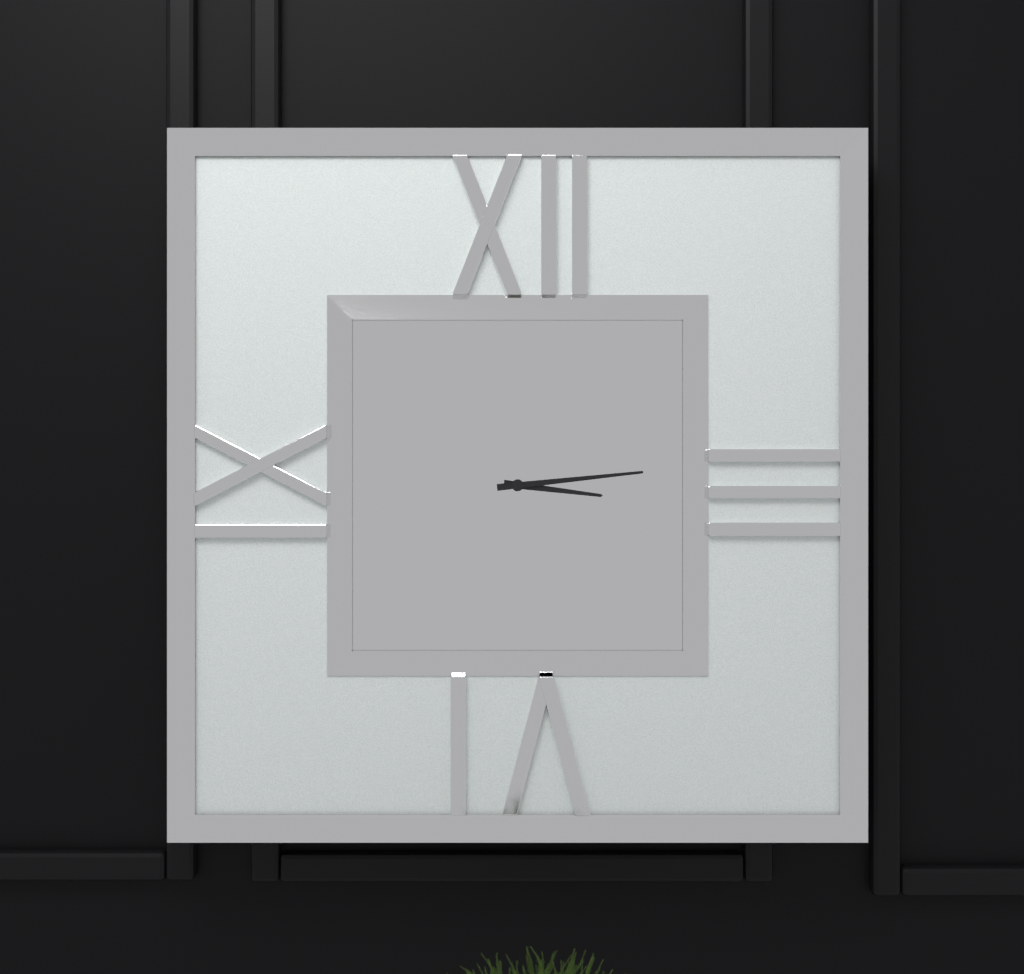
3:14
